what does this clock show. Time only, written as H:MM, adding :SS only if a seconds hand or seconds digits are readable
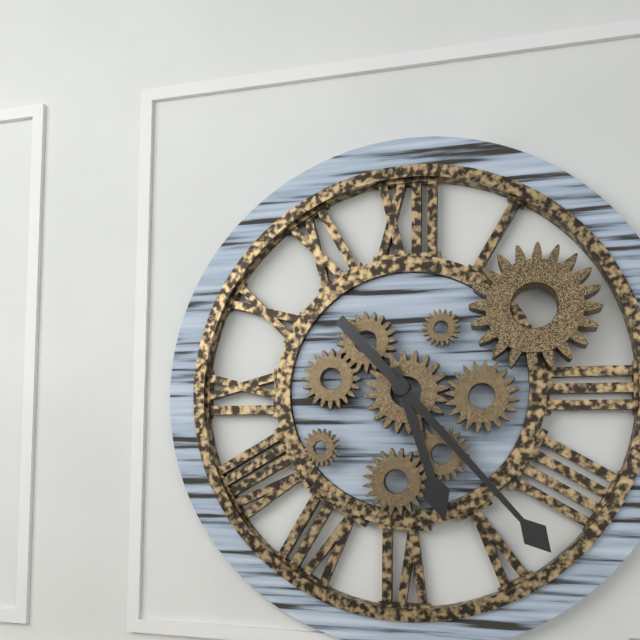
5:23
